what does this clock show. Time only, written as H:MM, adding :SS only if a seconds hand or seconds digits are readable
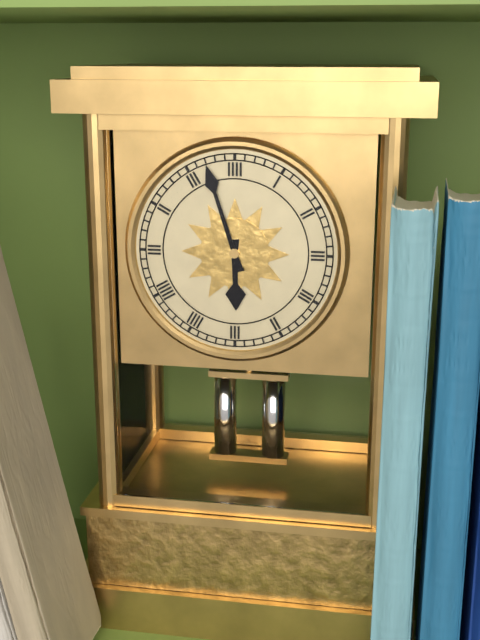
5:57
